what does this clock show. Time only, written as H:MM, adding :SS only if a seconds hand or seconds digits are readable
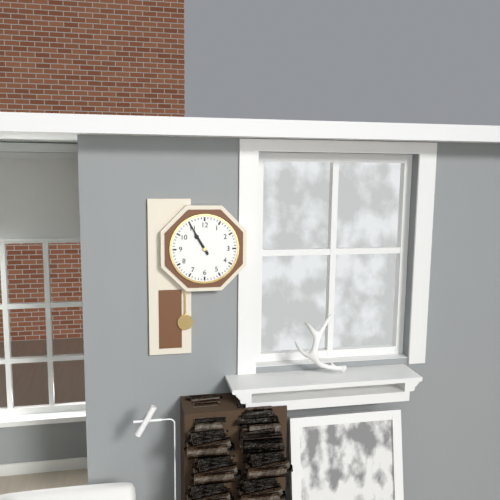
10:55
